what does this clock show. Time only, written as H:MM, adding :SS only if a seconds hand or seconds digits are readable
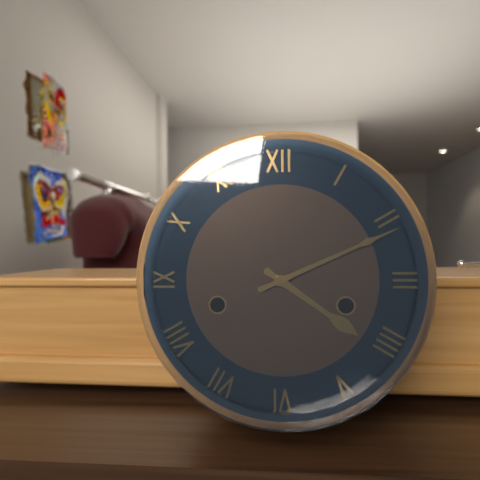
4:11
